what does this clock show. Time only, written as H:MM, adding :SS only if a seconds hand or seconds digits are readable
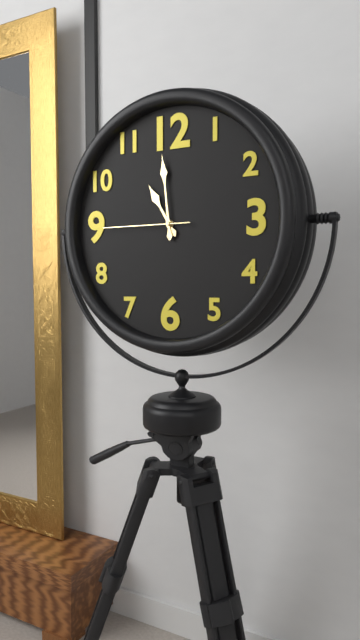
10:59:45
